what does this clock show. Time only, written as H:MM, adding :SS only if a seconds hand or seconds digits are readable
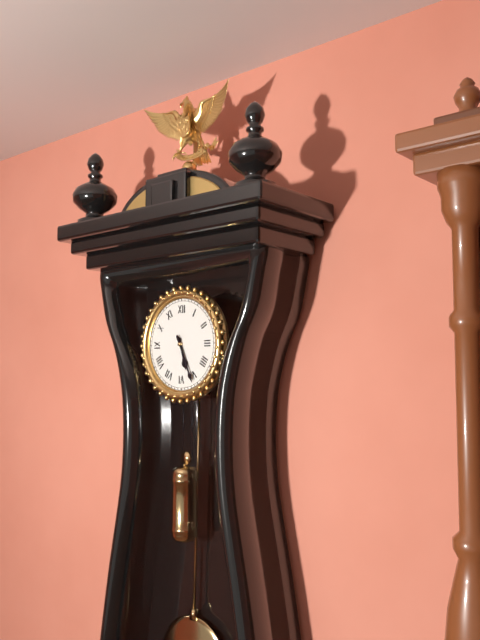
5:26
